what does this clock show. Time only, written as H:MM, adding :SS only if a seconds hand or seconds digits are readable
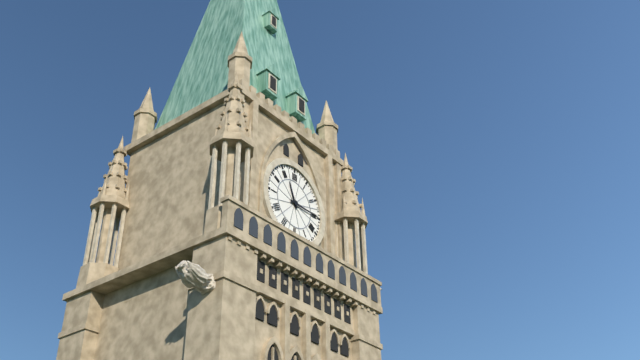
11:15
